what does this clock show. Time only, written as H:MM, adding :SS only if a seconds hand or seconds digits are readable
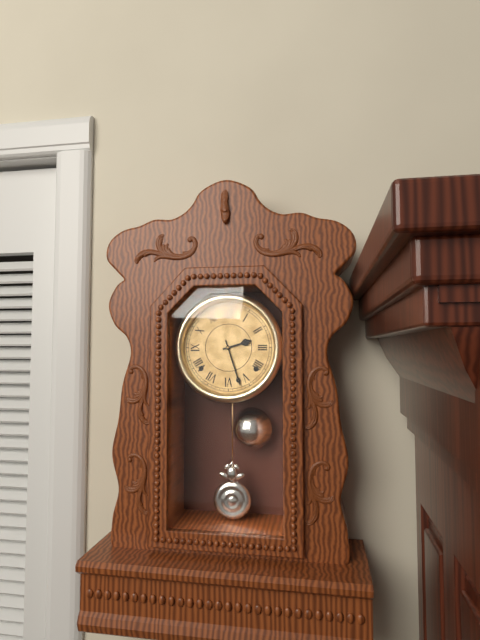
2:27
